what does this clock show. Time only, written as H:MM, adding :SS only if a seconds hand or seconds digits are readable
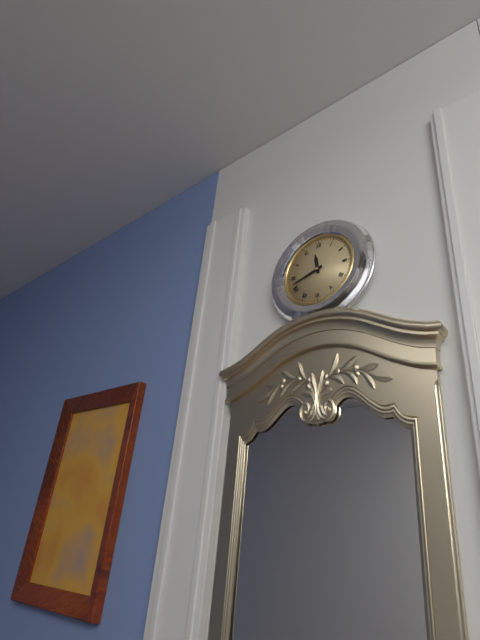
11:42
